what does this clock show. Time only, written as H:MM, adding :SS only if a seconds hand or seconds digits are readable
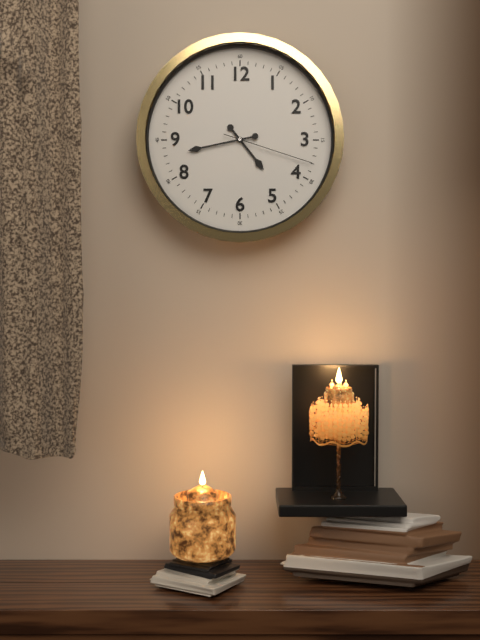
4:43:18
